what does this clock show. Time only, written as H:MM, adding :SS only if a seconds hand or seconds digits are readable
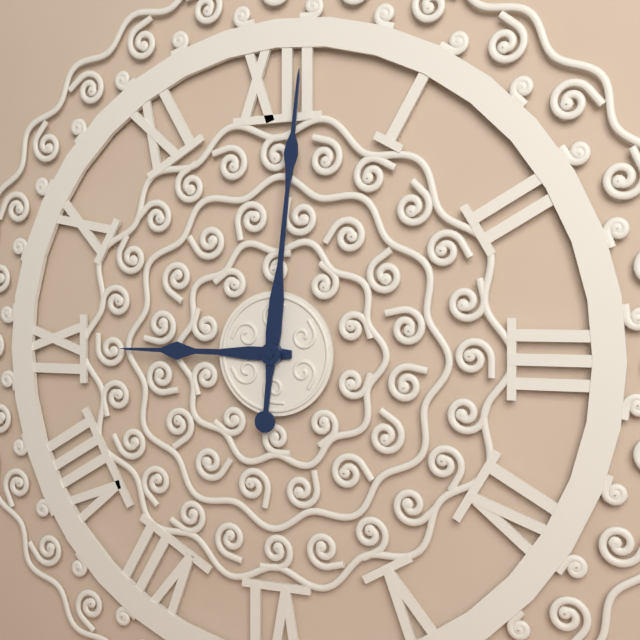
9:01
